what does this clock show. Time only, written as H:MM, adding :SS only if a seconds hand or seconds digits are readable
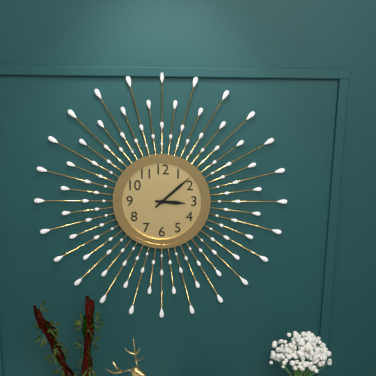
3:08
